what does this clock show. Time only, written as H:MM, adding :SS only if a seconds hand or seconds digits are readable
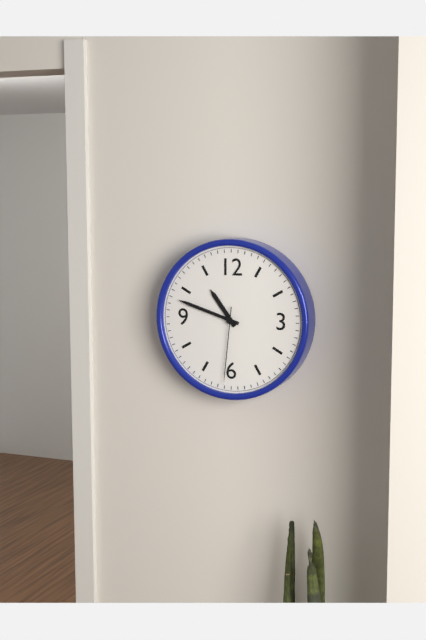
10:48:31
